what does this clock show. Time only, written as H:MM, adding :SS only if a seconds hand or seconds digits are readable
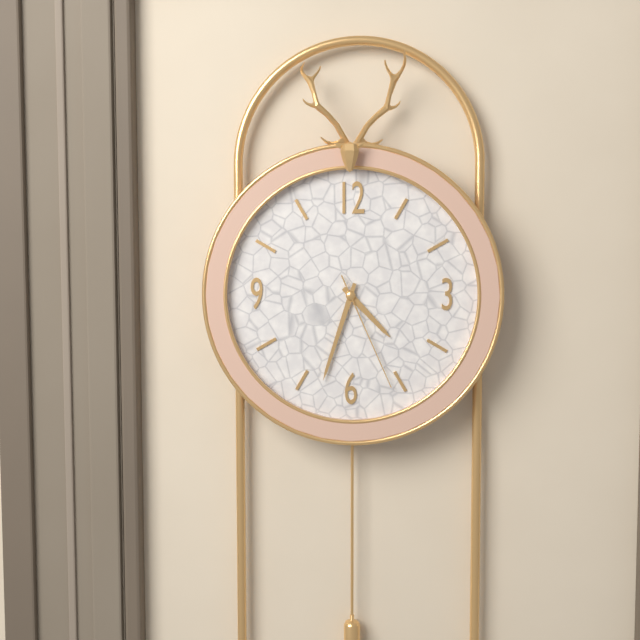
4:33:26
